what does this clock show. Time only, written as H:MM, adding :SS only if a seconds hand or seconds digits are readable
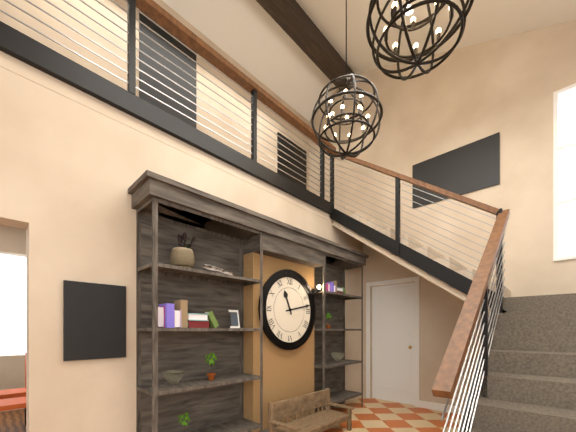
11:13
